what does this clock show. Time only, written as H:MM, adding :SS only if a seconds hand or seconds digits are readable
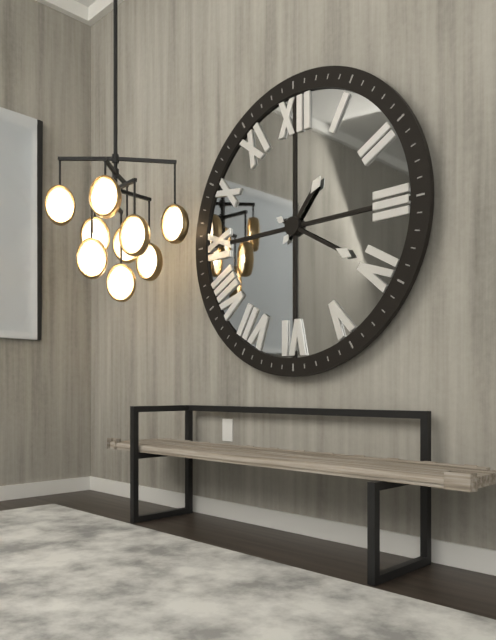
1:20
